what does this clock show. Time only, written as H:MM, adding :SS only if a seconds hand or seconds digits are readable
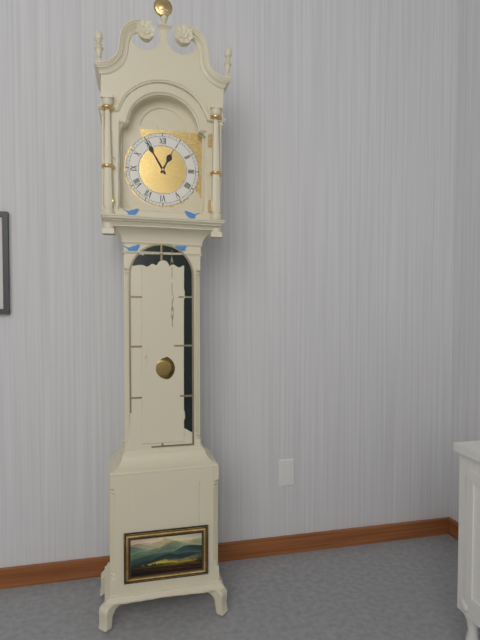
12:55
